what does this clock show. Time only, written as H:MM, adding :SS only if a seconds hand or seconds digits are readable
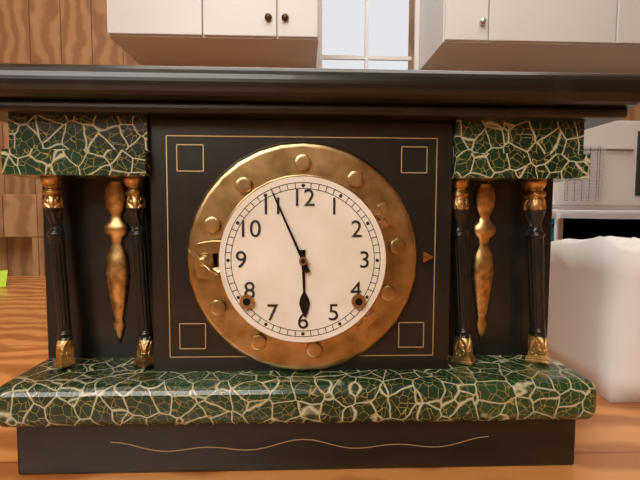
5:56
